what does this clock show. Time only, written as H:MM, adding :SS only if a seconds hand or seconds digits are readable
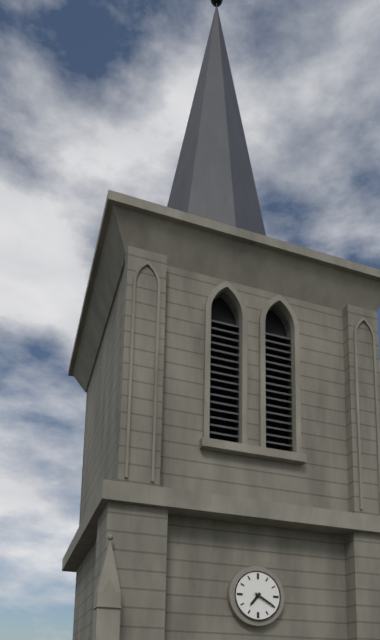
7:20
